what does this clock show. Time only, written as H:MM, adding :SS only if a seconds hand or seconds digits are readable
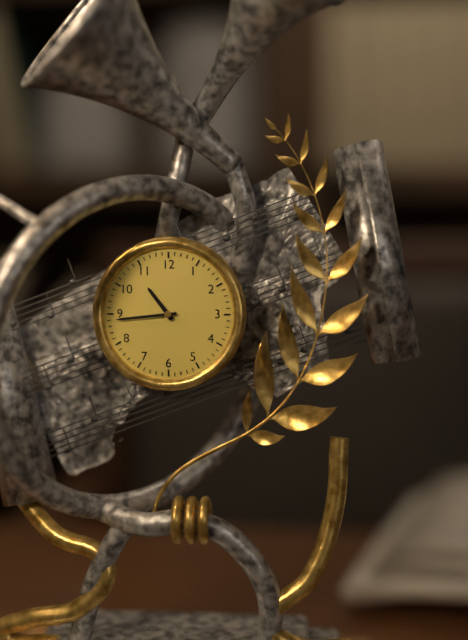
10:44
